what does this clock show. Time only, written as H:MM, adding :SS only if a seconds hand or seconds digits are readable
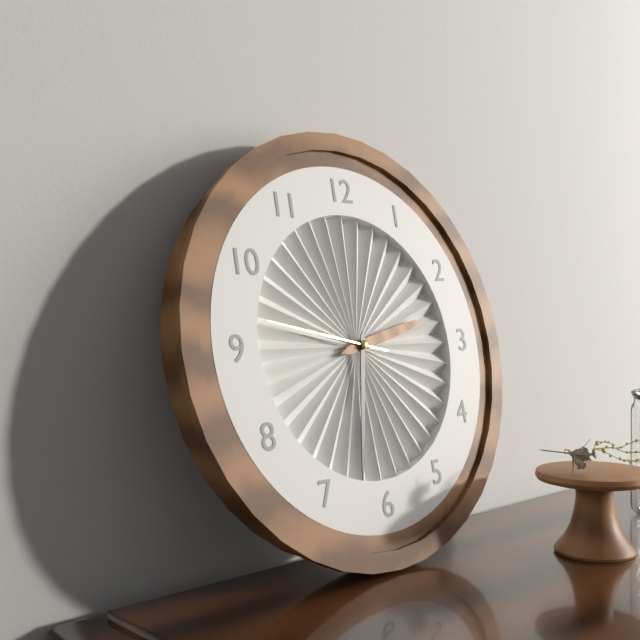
2:32:47
